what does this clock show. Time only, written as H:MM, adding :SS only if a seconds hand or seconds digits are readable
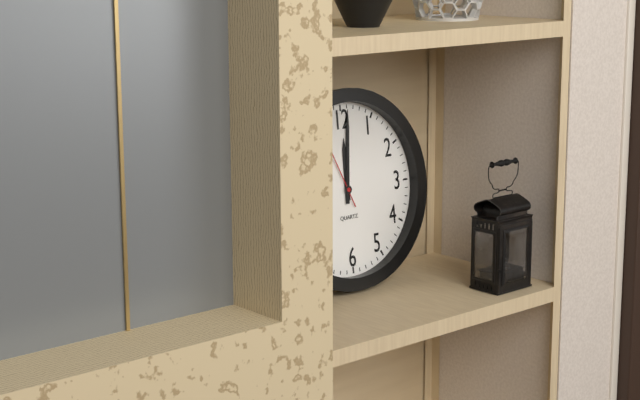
12:01
